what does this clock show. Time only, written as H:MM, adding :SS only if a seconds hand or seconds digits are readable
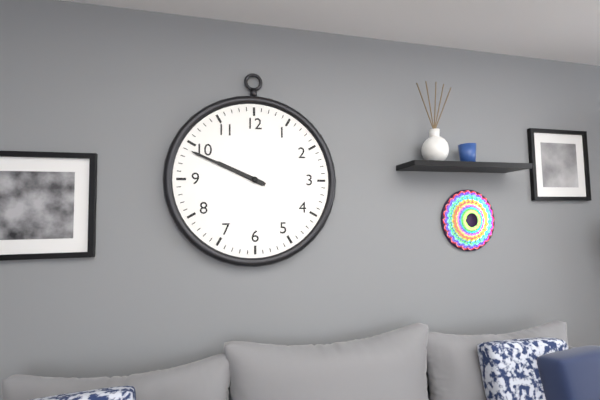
9:49
